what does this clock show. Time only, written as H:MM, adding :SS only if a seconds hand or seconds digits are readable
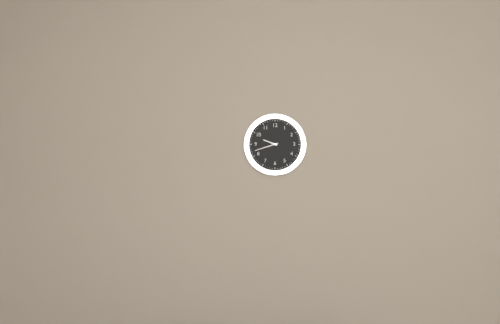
9:42
